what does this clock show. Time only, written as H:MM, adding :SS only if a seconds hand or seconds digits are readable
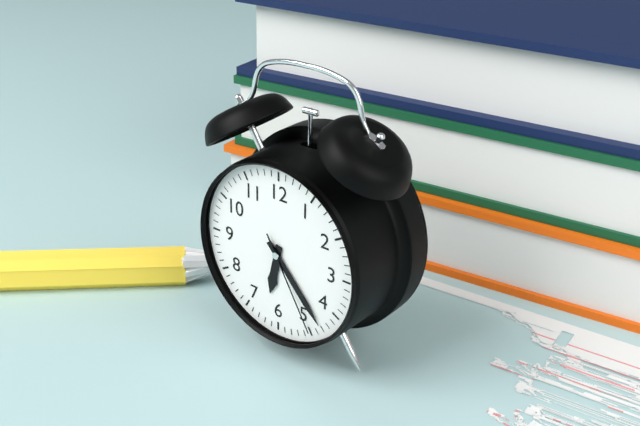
6:23:25
